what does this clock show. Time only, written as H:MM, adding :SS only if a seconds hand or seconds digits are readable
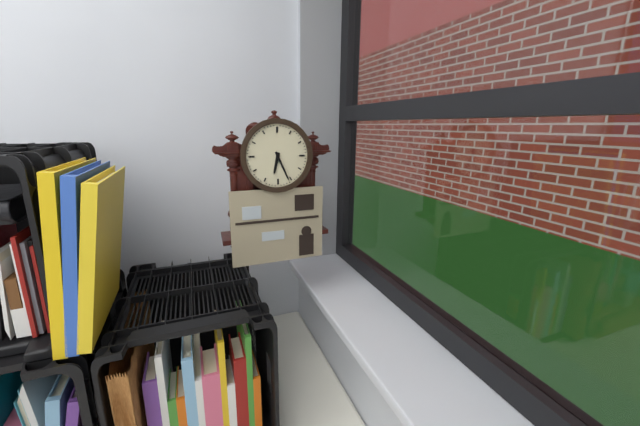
6:26
